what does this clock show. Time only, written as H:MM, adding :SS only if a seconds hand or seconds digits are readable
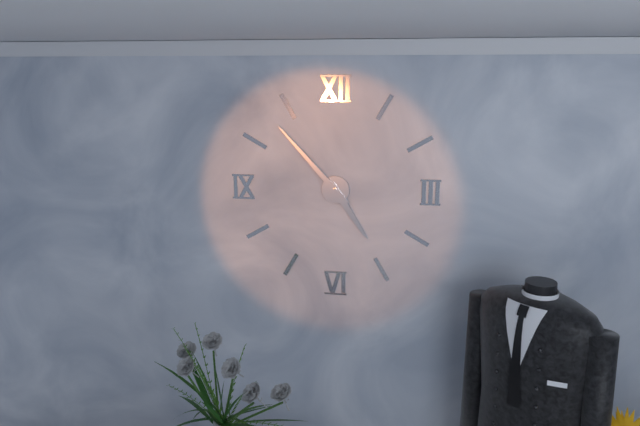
4:53
